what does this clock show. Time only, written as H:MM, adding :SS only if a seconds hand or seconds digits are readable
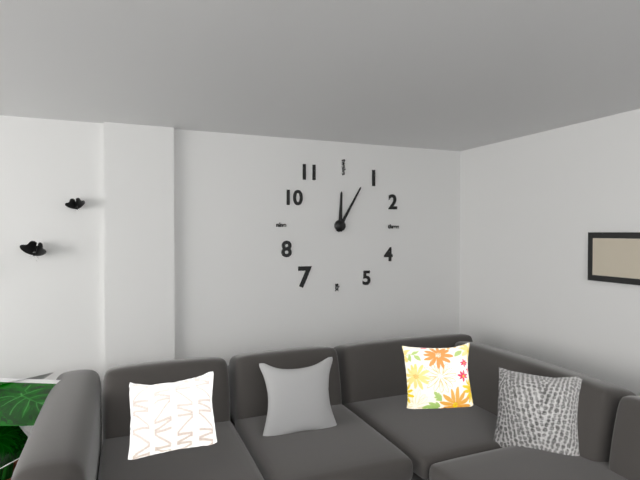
12:05
